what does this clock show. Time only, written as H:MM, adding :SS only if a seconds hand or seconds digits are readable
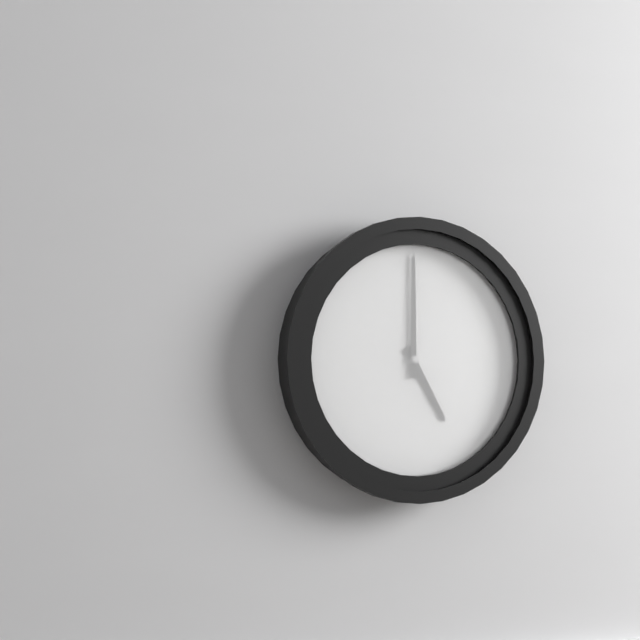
5:00
